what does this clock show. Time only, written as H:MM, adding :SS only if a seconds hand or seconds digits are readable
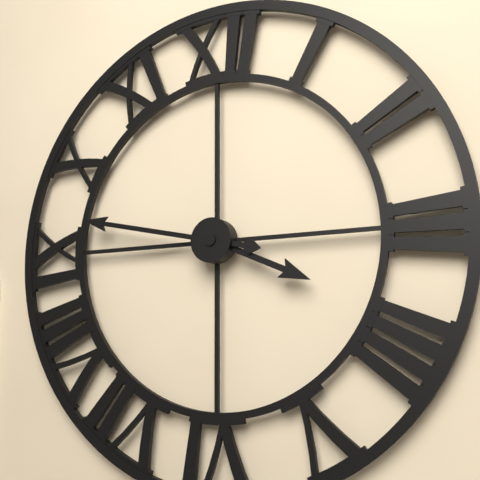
3:47
